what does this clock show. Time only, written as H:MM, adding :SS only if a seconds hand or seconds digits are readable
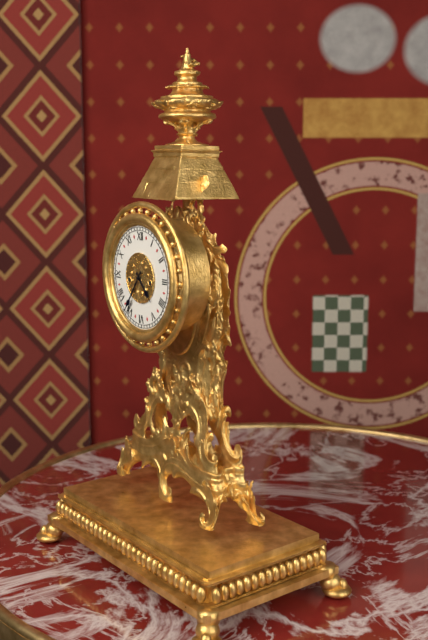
4:36
